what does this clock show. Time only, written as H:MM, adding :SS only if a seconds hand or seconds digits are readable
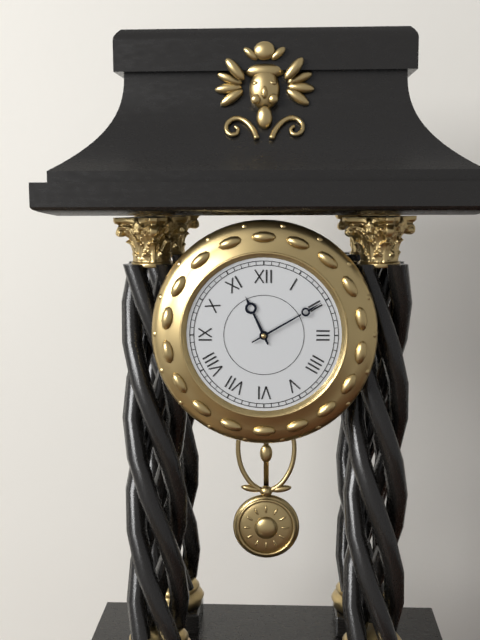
11:10
